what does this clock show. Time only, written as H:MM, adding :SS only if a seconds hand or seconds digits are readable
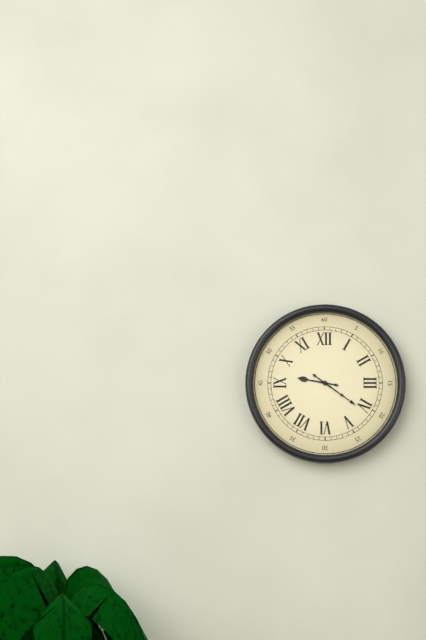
9:21
